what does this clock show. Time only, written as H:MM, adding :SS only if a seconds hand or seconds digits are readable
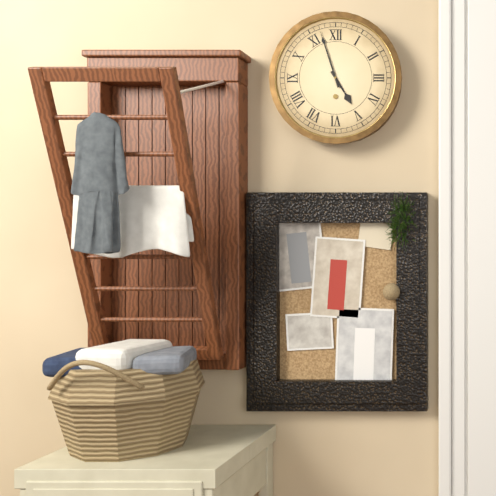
4:57
